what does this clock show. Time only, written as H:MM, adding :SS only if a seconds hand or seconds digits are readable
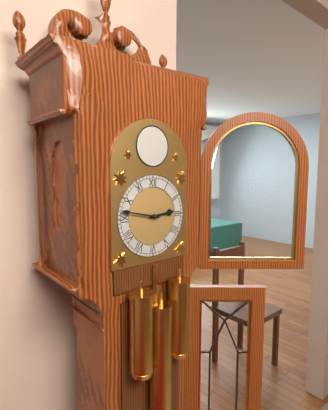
2:47
